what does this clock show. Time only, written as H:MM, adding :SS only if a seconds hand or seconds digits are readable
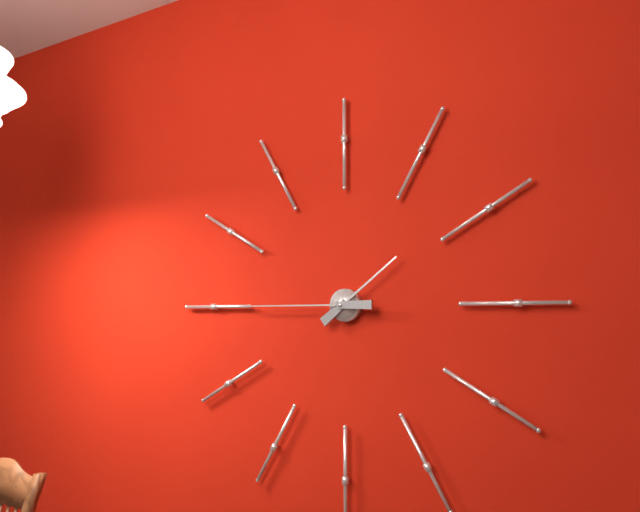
1:45
